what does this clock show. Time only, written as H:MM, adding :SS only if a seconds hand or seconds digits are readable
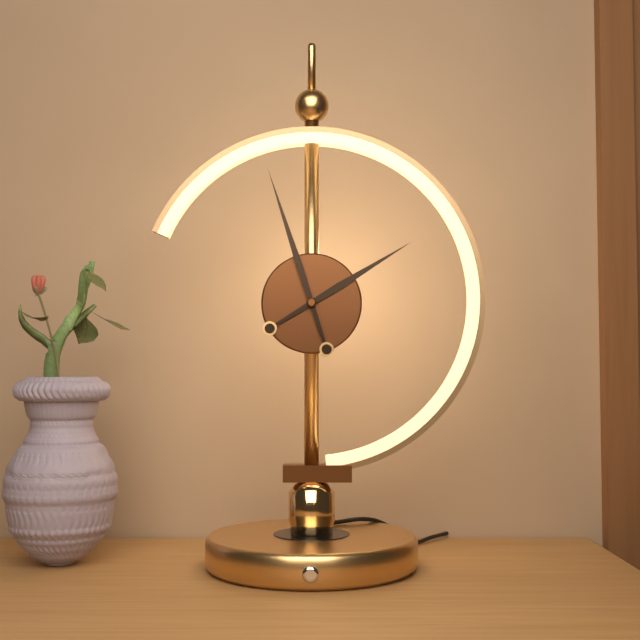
1:57
